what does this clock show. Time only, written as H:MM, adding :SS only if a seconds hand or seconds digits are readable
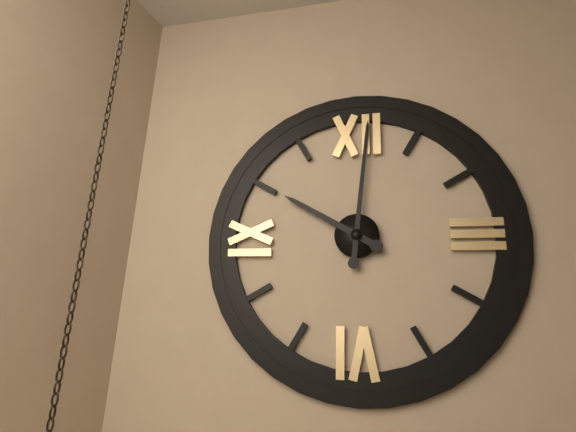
10:01
